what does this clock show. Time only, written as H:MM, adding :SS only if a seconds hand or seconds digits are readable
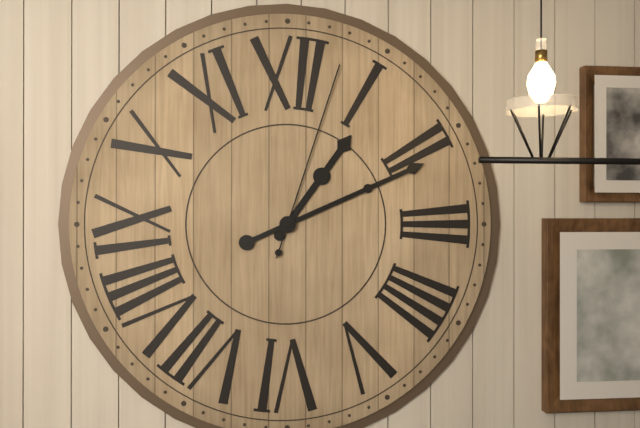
1:11:03
